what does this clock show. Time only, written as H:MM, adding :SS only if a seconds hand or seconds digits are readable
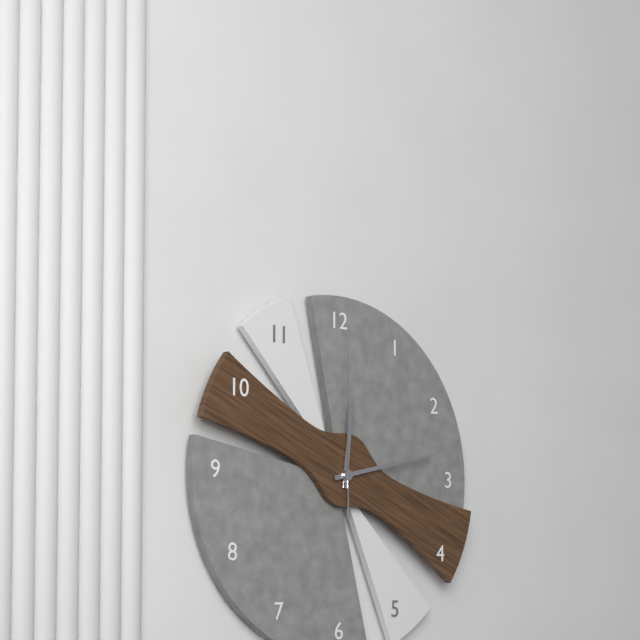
12:13:00
